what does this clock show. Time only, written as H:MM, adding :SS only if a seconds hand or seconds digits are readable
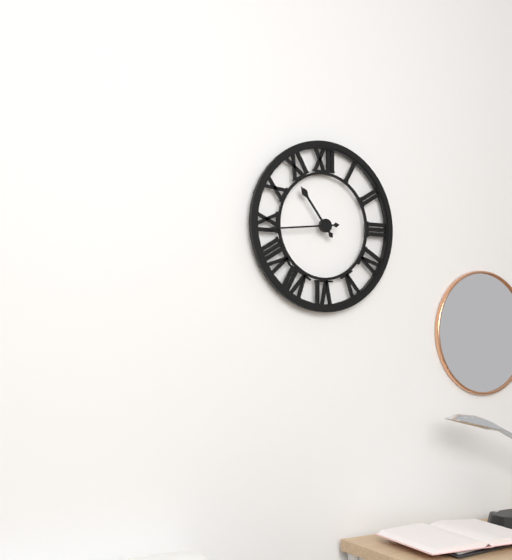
10:44
